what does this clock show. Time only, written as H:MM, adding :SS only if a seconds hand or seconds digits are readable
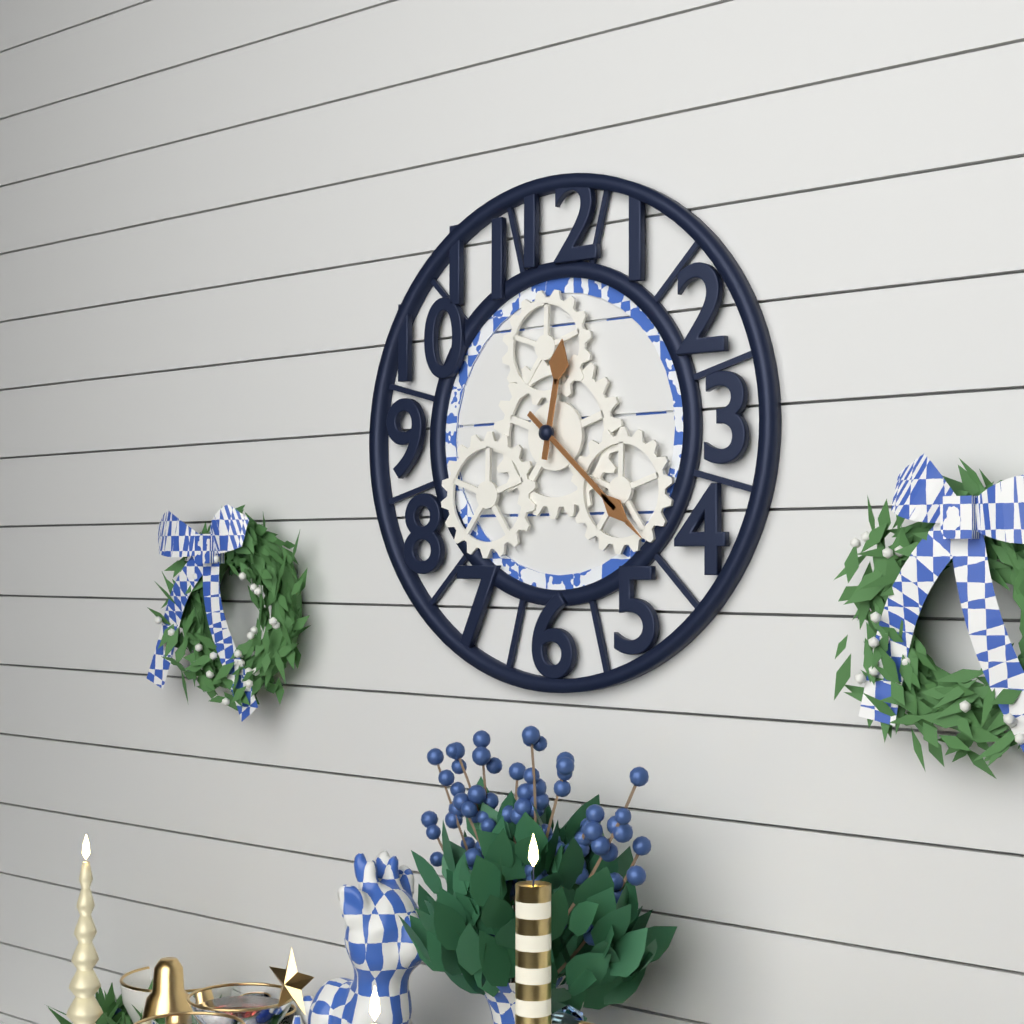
12:22
